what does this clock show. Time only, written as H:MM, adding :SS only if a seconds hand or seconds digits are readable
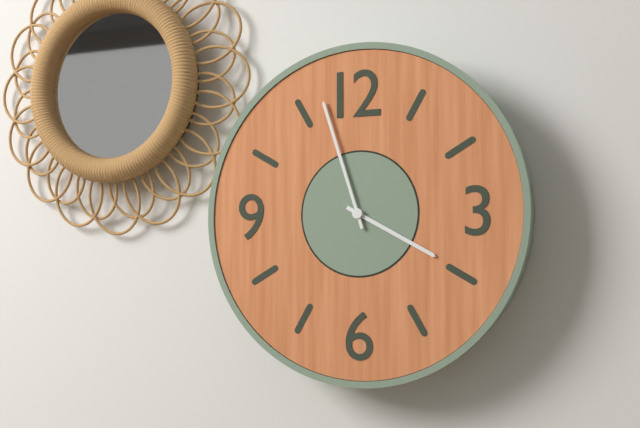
3:57
